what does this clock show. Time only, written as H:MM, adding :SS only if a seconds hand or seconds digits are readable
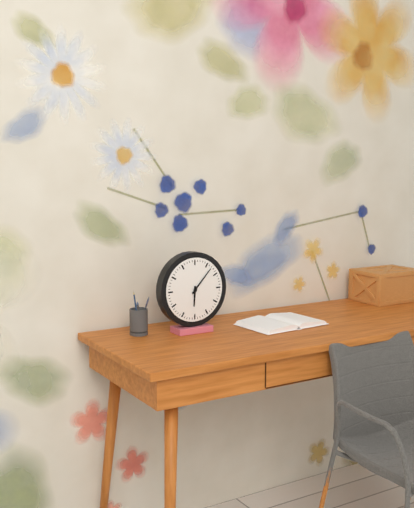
6:07
